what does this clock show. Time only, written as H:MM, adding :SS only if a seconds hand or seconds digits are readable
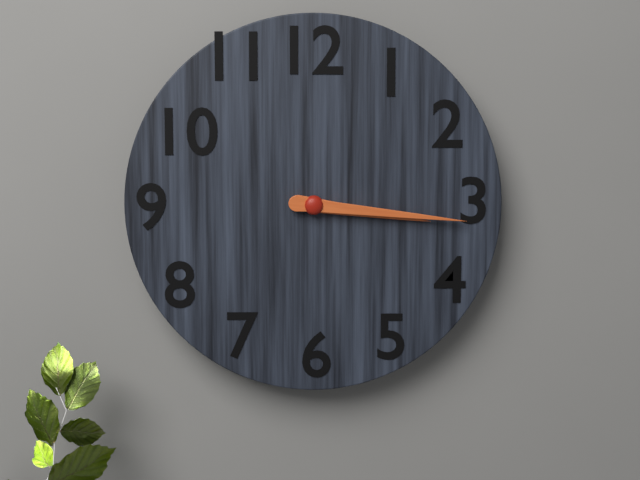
3:16
